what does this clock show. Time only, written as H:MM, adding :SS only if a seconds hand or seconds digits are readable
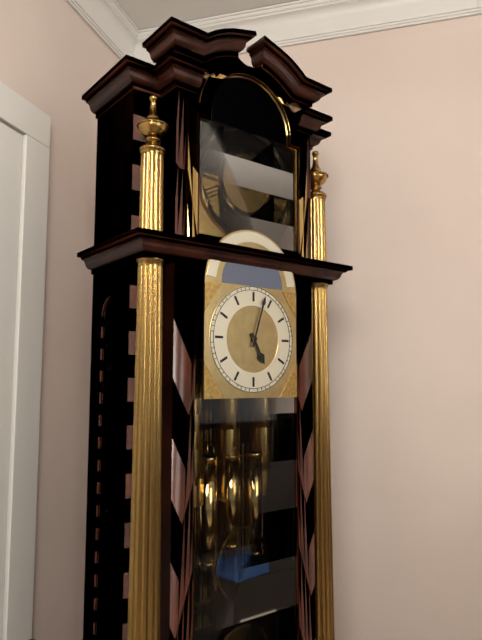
5:03
